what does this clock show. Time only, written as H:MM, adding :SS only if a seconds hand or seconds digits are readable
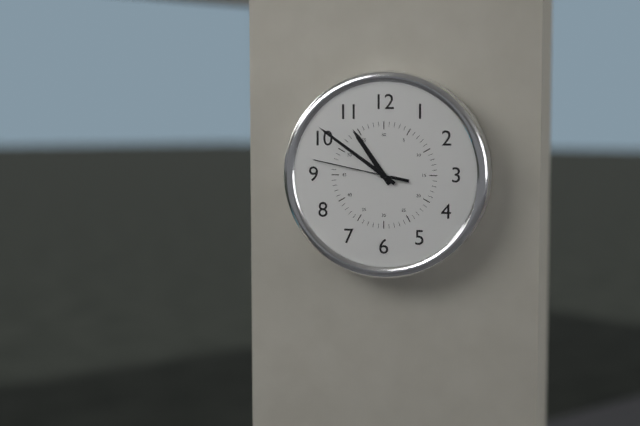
10:51:47
